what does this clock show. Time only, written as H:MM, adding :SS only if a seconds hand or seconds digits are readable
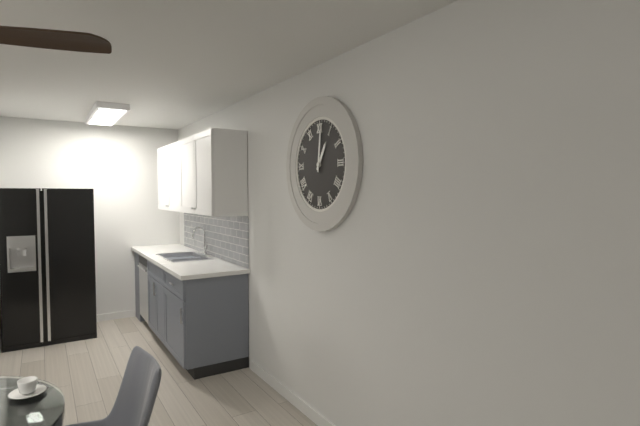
1:01
